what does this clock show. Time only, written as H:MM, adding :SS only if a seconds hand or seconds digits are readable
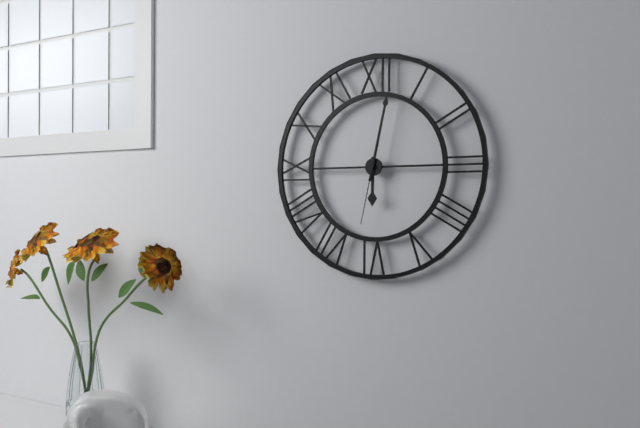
6:02:32
